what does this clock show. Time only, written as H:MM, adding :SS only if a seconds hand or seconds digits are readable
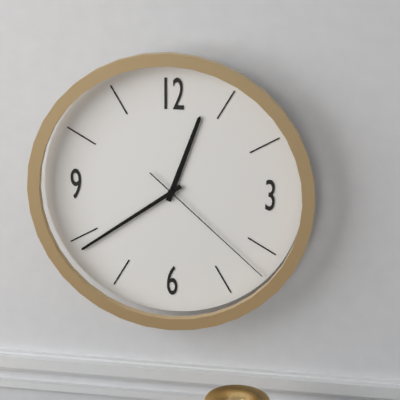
12:39:22
